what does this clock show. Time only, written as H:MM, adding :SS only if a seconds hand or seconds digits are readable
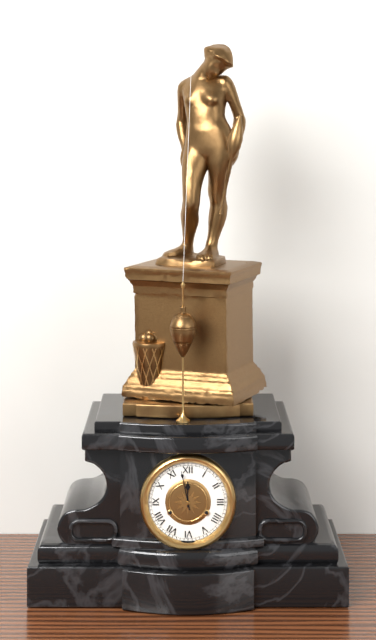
11:58
